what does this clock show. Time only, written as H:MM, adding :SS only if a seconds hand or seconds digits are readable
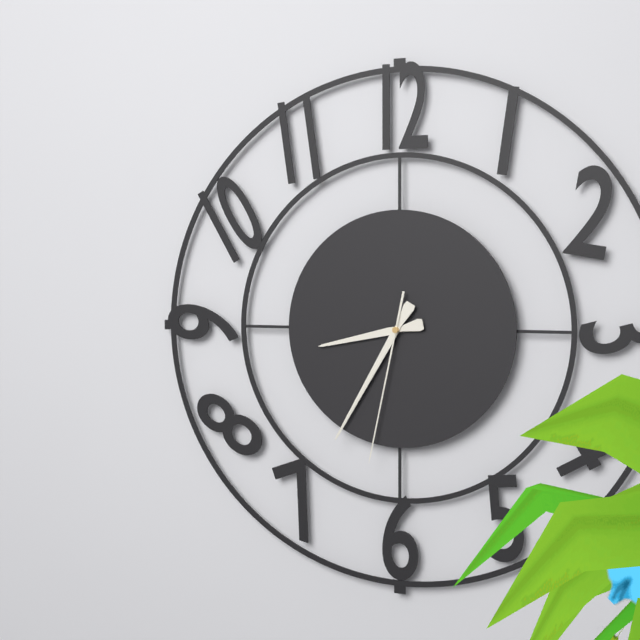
8:35:32
